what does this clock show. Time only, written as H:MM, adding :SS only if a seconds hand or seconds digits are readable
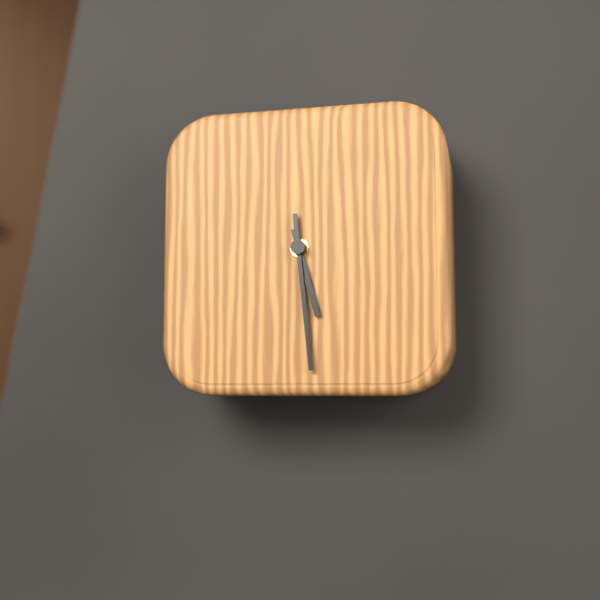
5:29
